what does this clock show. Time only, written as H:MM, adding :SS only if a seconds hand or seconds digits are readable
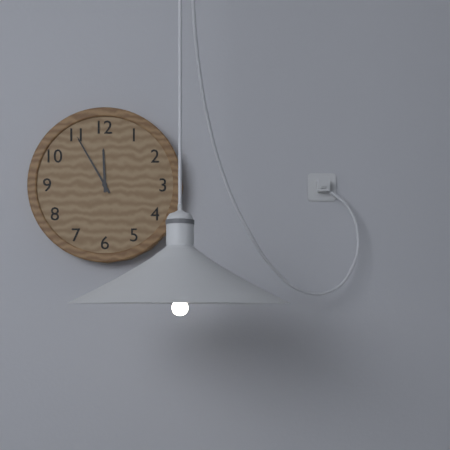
11:55
